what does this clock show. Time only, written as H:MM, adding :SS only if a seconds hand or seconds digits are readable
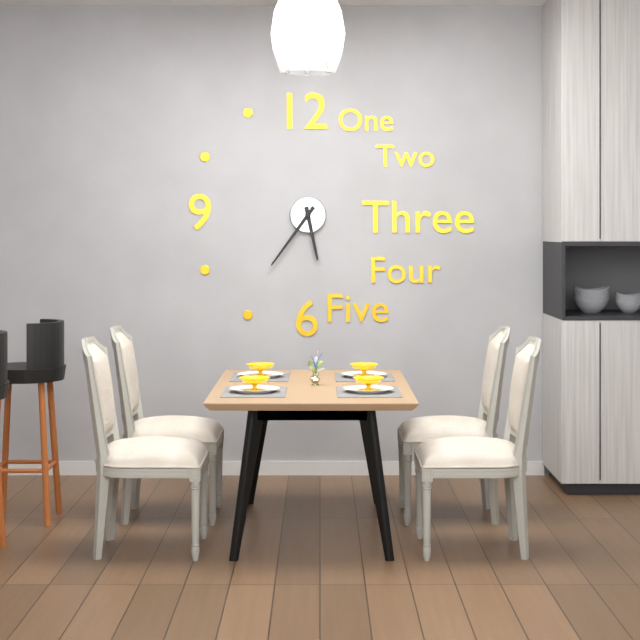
5:36
